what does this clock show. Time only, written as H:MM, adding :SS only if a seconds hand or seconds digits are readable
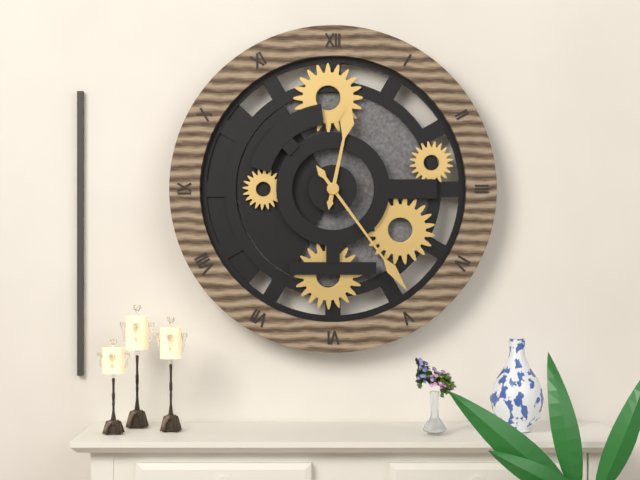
12:24
